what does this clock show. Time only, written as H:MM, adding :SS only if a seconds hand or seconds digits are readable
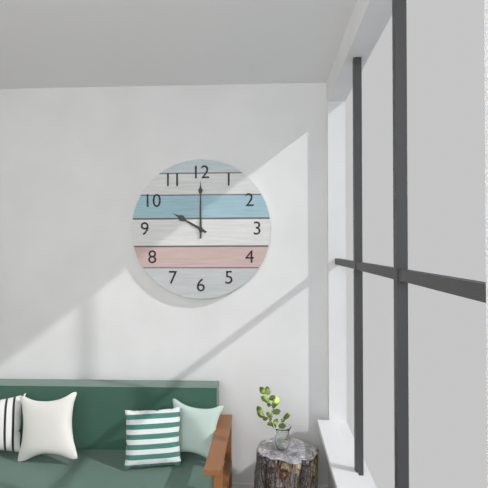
10:00
